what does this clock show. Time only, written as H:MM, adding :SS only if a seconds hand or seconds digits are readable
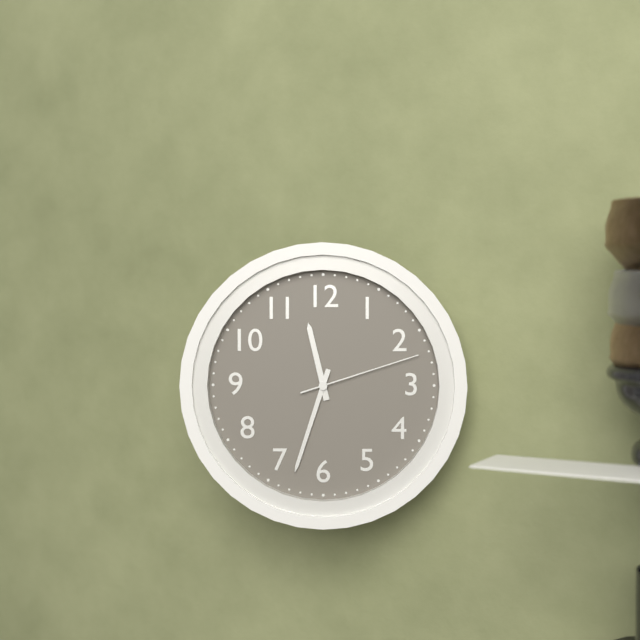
11:33:12
